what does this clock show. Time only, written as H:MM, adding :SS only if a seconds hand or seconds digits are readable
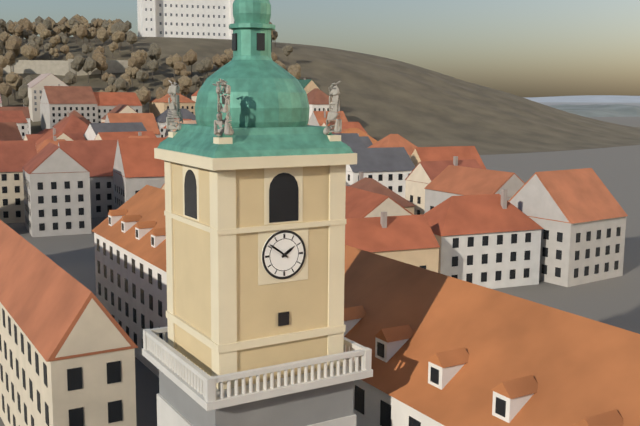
1:51
